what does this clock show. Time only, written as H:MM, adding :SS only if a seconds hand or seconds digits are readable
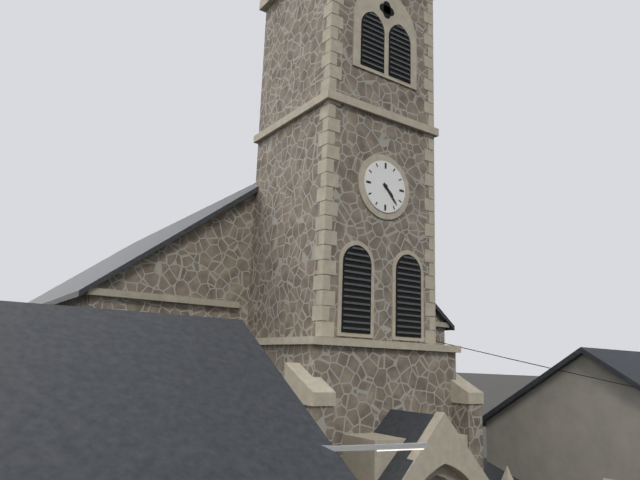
4:23
